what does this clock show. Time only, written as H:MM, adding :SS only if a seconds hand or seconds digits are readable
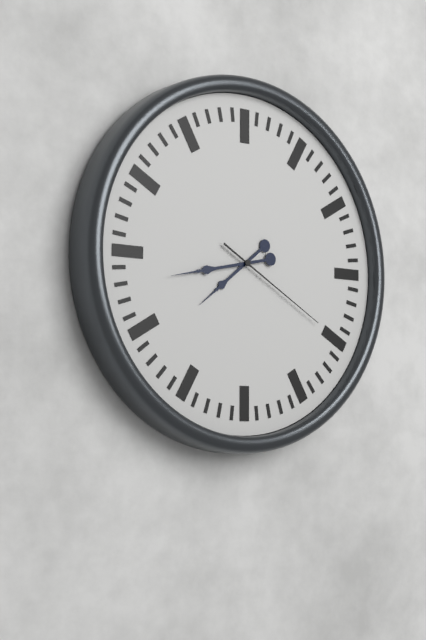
7:43:20
